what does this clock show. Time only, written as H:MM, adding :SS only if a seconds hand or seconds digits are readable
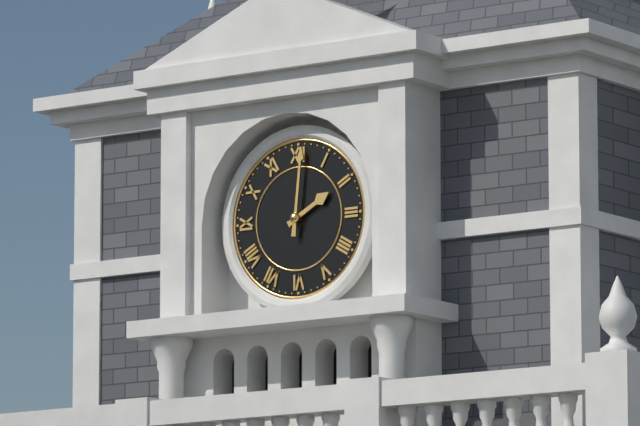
2:01
